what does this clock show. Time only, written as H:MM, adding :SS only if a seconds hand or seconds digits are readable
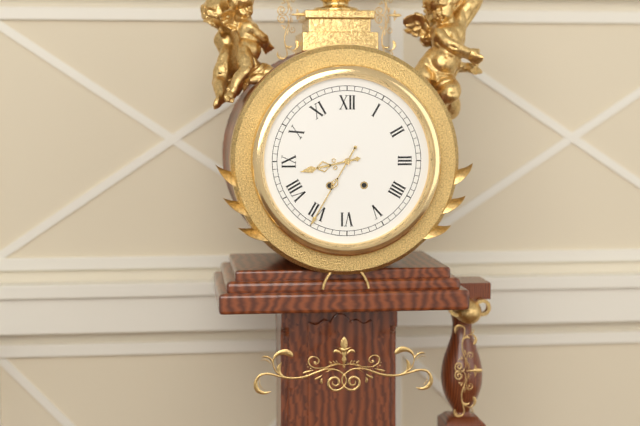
8:35
